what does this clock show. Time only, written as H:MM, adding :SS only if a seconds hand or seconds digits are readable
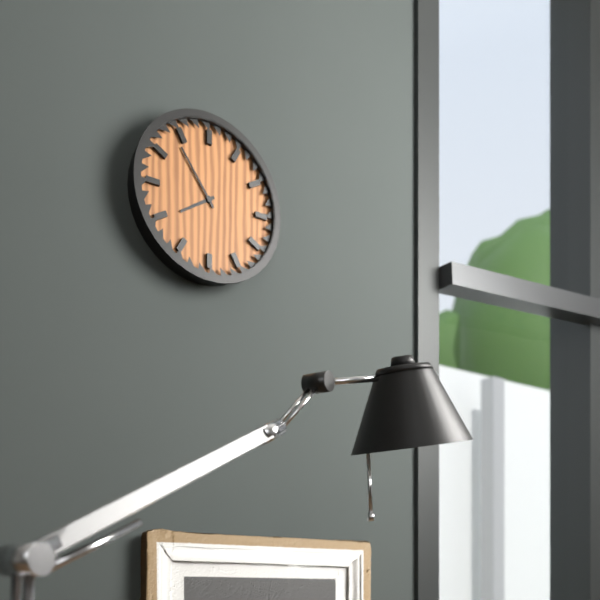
7:54
